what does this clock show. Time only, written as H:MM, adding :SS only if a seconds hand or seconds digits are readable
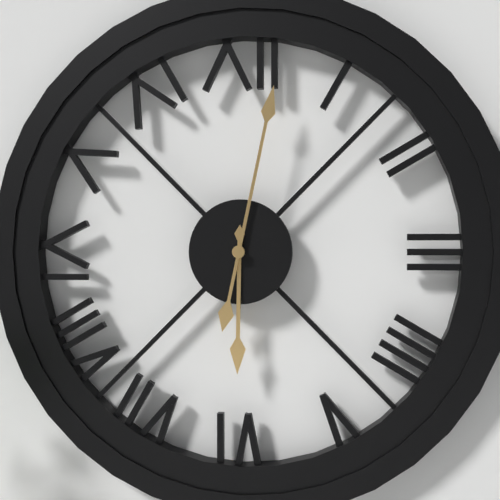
6:02
